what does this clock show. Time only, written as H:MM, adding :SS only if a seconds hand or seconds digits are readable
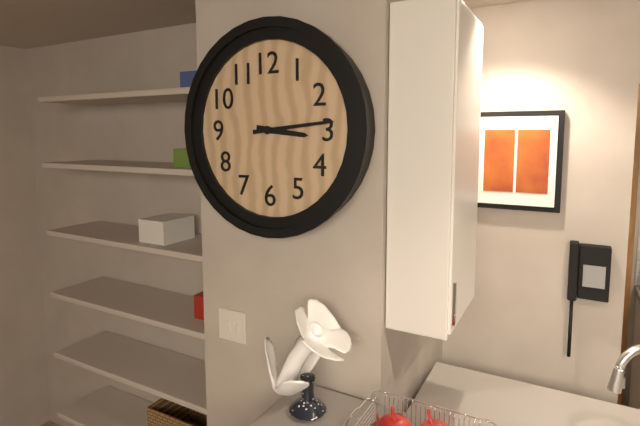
3:14
